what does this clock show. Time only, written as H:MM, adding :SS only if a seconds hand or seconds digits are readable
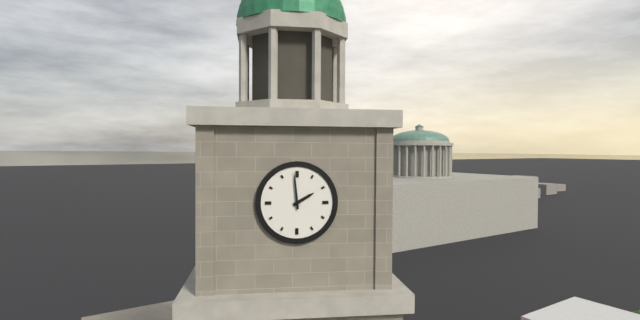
1:59
